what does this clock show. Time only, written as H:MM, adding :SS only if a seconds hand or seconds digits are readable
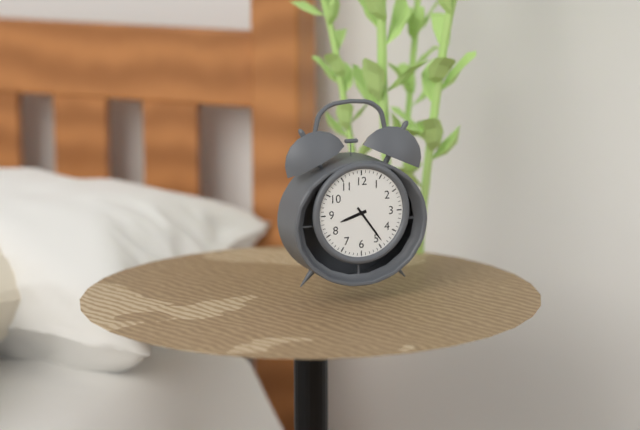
8:24
